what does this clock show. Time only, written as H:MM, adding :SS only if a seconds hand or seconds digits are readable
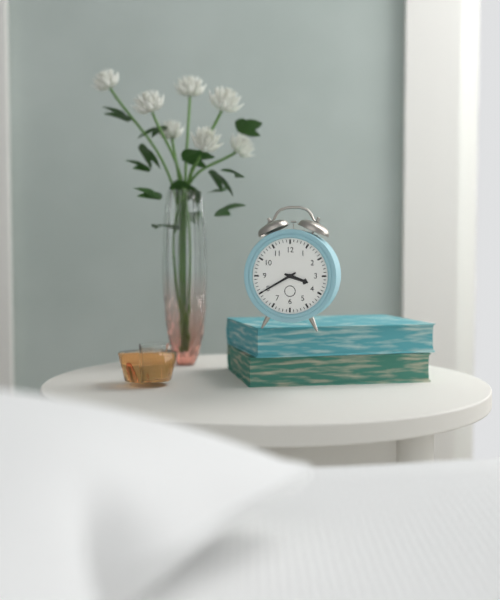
3:40
